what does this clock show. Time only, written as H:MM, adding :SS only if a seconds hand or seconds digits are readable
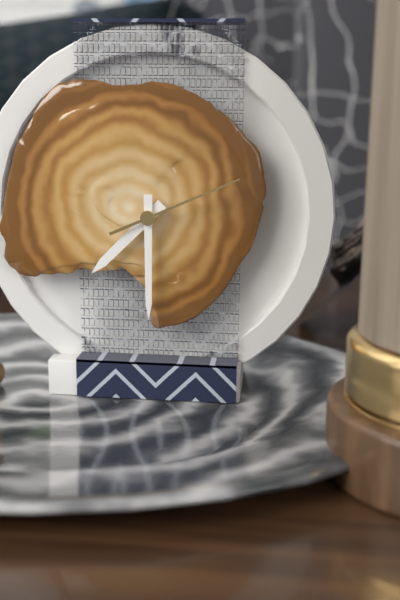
7:30:11
